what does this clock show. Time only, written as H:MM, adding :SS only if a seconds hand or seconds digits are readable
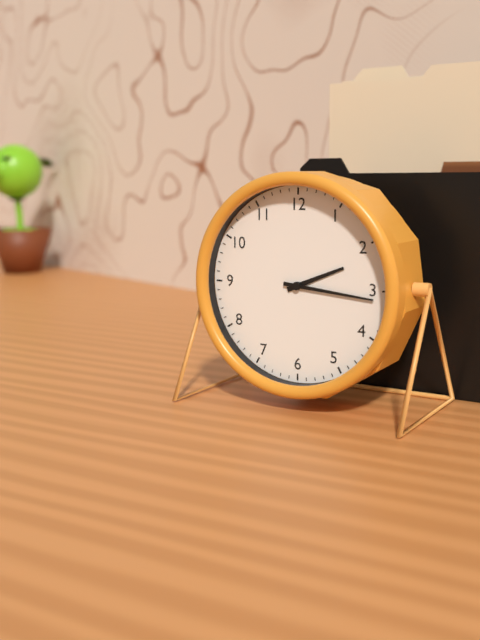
2:16
